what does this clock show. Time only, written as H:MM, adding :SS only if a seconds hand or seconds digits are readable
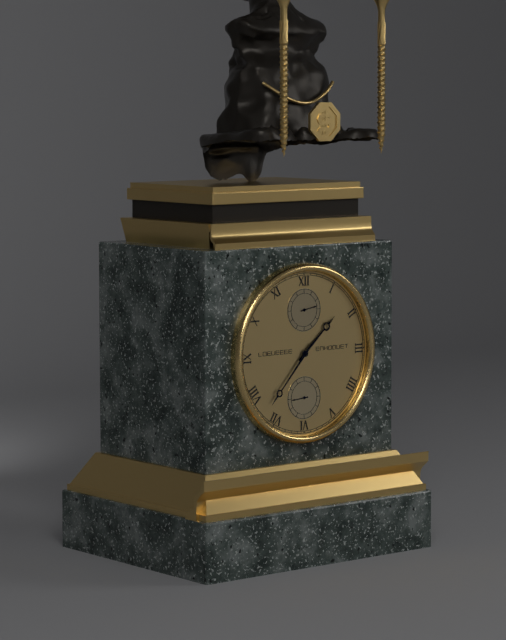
1:37
